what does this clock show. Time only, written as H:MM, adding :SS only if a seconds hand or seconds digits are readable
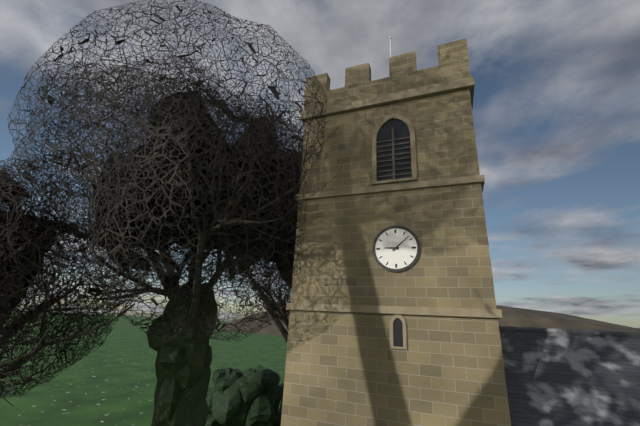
9:08
